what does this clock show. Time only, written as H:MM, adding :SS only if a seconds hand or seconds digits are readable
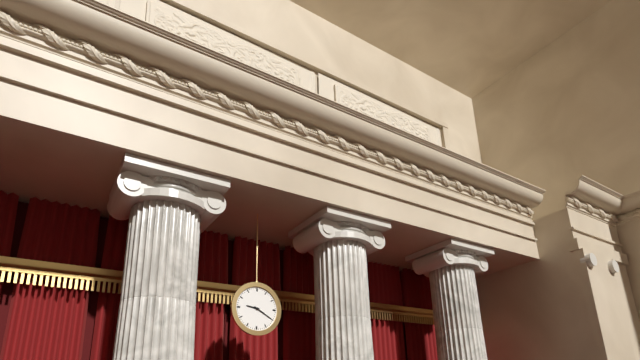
9:20
